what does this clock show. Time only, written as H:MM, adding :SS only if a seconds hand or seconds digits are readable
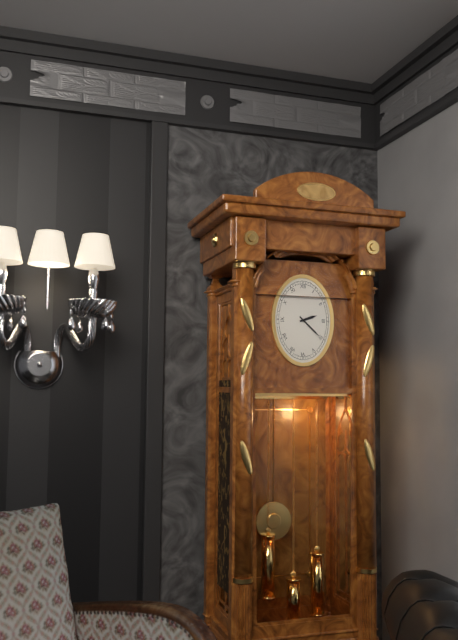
2:22
